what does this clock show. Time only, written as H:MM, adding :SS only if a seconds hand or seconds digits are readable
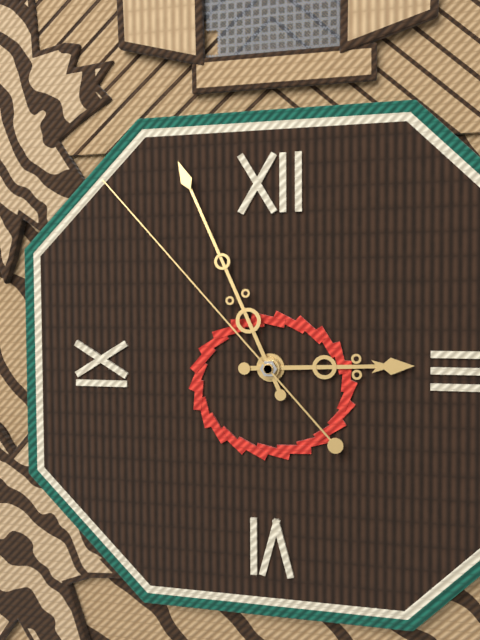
2:56:53
